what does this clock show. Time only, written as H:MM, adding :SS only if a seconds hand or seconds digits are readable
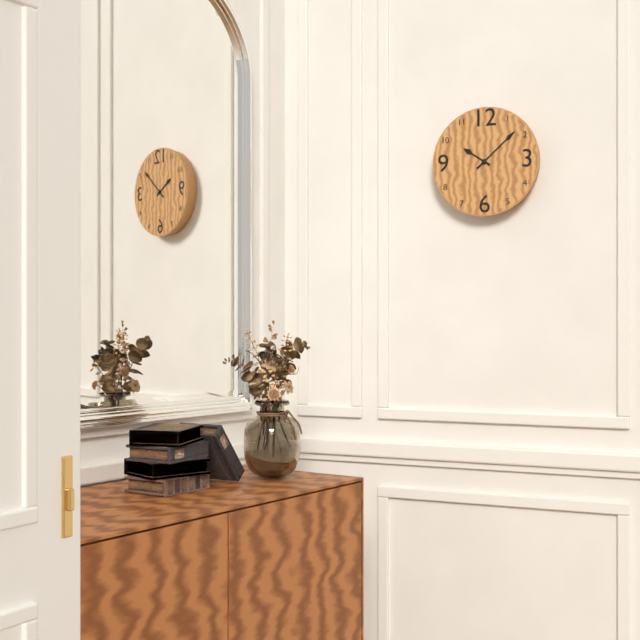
10:08
